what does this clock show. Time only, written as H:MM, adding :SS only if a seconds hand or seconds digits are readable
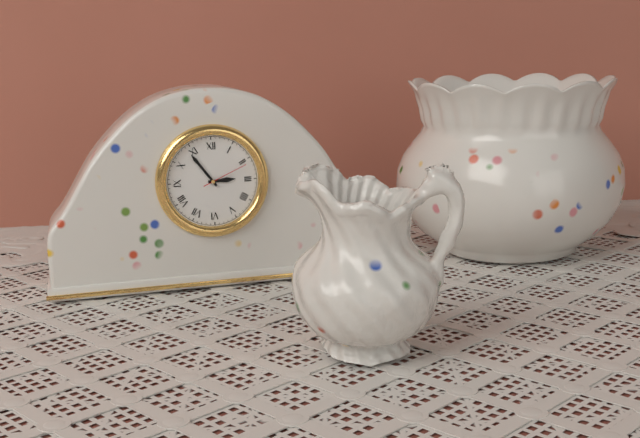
2:54
